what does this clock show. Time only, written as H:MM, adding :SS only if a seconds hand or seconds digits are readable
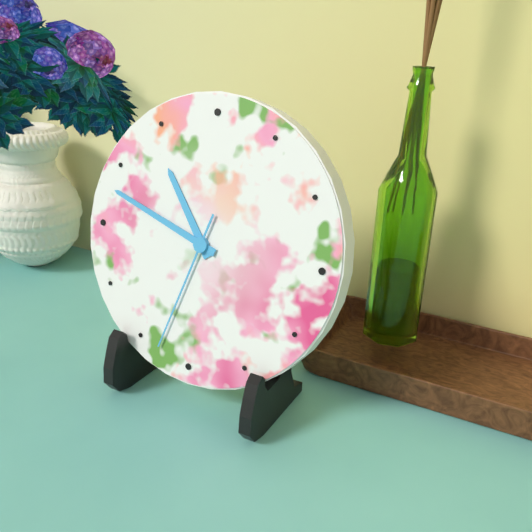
10:48:33
